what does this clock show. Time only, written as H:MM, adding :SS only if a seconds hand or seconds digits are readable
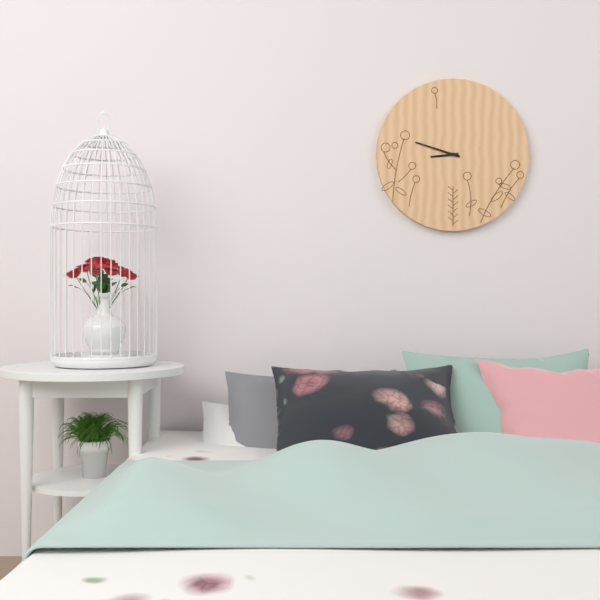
8:48
